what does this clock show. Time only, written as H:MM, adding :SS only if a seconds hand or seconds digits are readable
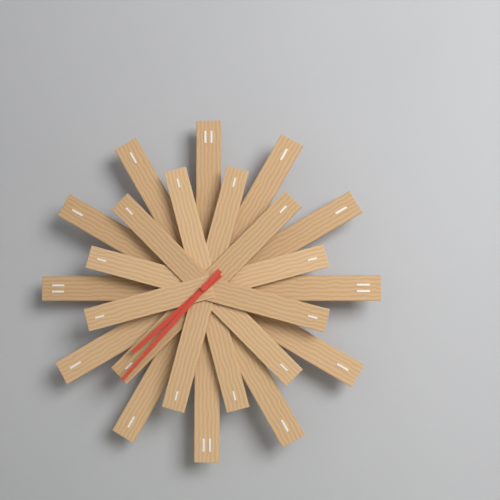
7:37
